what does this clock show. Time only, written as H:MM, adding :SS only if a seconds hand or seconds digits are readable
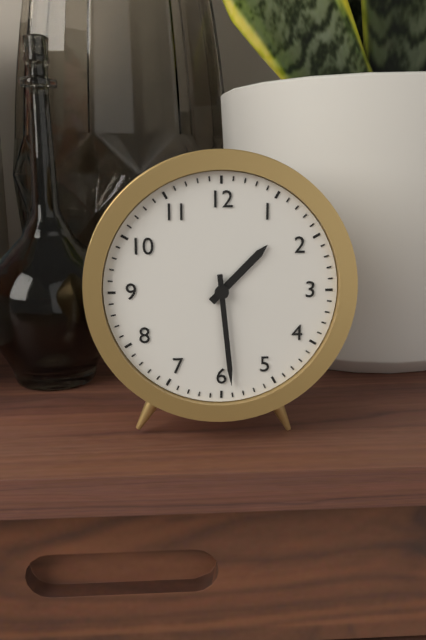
1:29
